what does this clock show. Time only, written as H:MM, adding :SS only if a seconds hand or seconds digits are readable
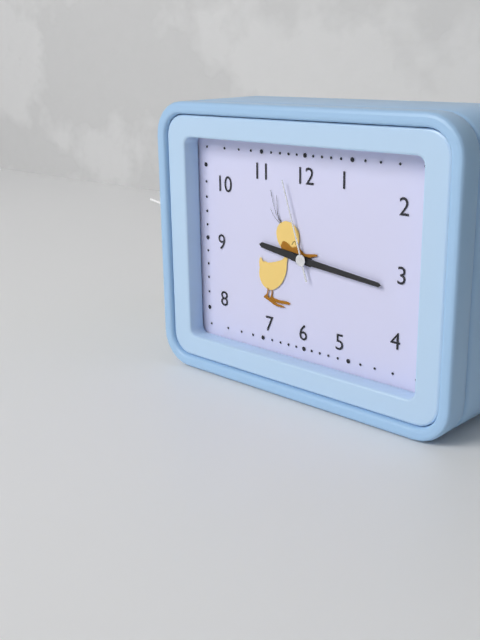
9:16:57
